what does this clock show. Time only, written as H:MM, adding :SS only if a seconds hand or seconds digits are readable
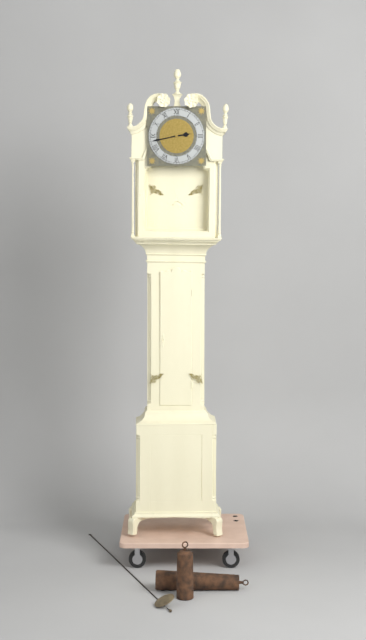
2:43
